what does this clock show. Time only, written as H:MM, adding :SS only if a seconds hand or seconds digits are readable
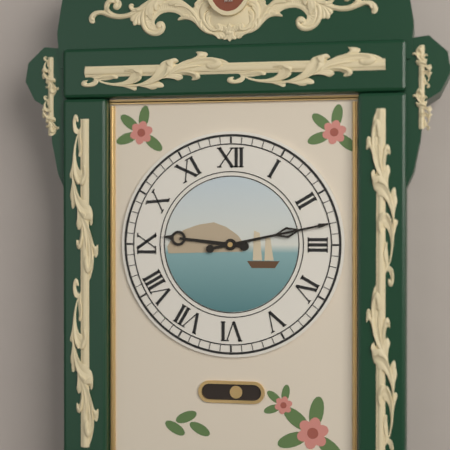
9:13
